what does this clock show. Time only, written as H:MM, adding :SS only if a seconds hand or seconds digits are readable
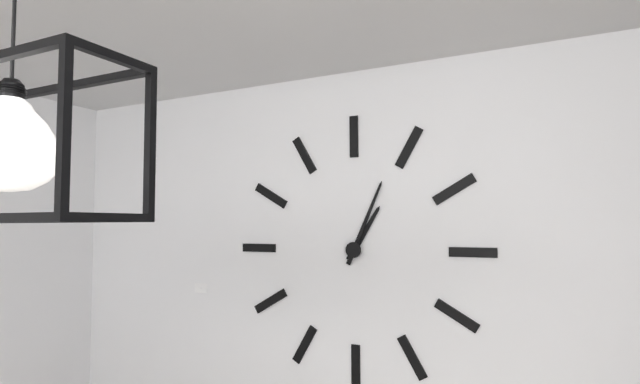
1:04
